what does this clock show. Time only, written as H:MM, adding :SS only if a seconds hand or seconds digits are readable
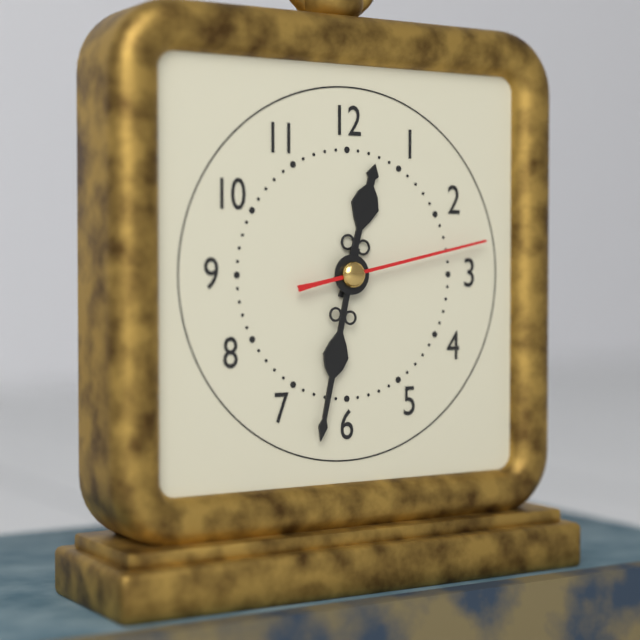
12:32:13
